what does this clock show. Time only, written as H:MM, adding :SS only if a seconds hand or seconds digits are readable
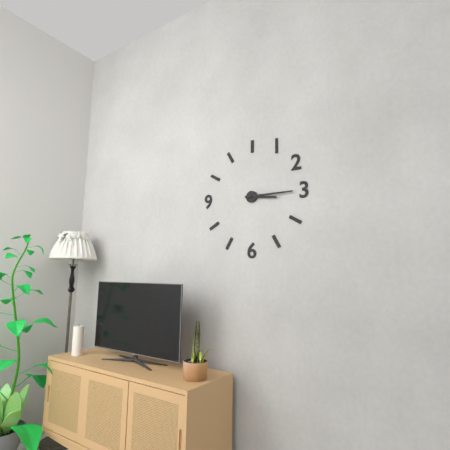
3:15
